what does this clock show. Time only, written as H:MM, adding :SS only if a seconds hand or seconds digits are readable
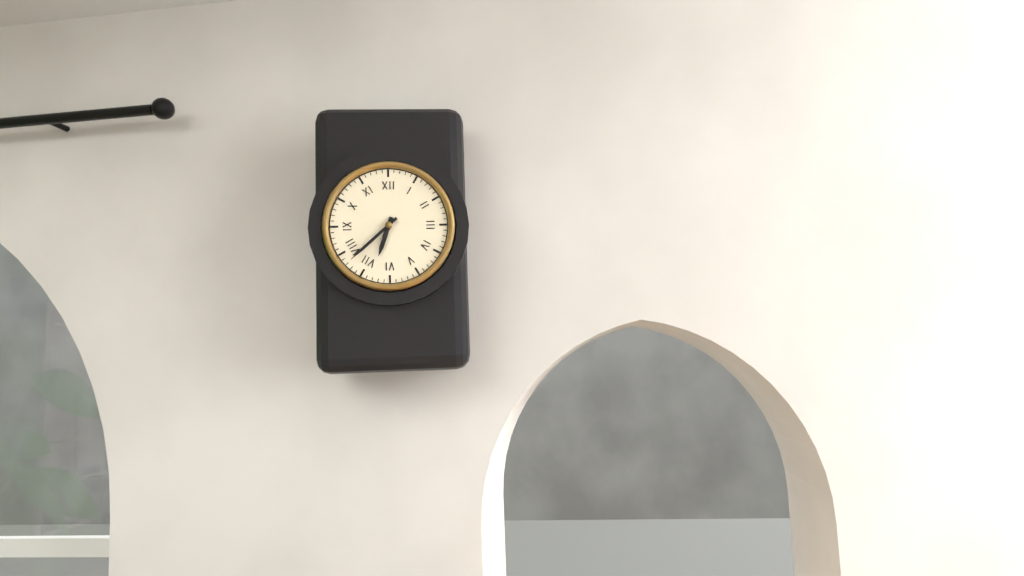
6:38
